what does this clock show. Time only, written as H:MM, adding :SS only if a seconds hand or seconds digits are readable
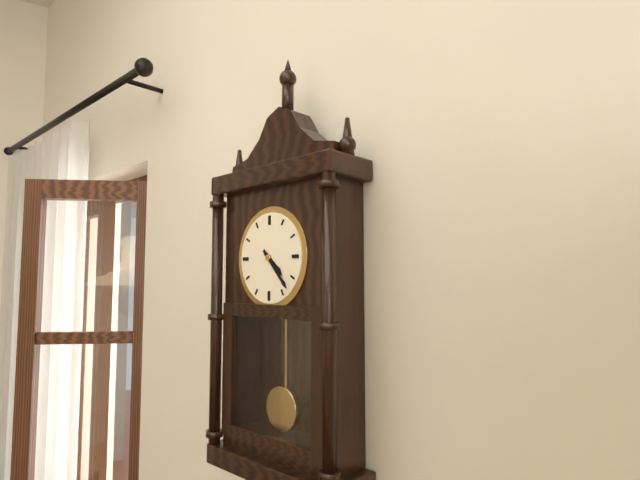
4:23
